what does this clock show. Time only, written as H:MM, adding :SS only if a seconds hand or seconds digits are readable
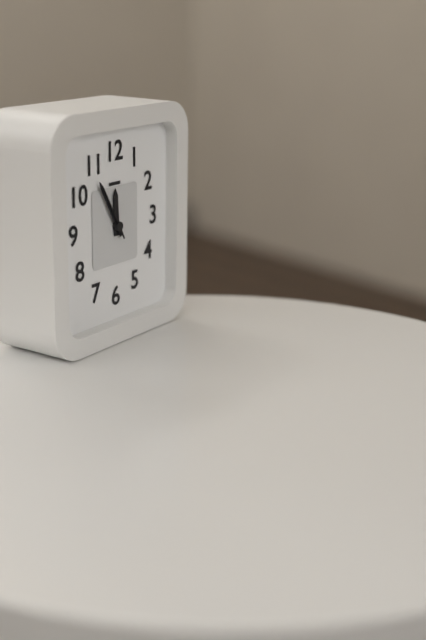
11:55:55
